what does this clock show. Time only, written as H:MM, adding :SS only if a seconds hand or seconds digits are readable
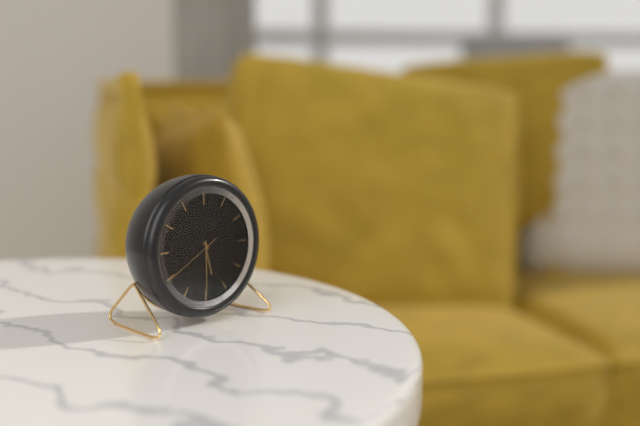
5:30:40
